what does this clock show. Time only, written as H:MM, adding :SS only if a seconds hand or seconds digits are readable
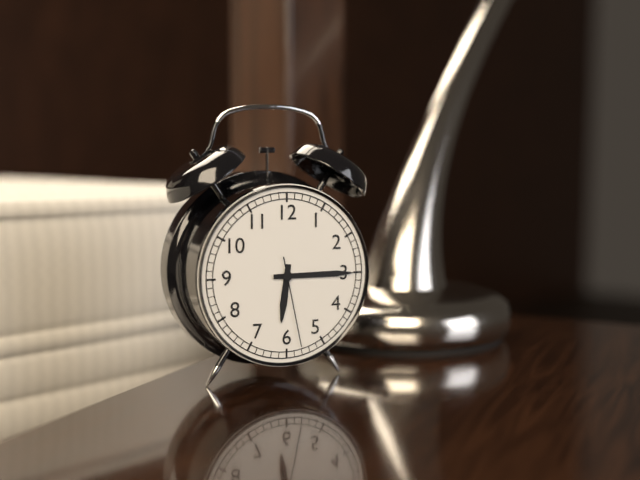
6:15:28
